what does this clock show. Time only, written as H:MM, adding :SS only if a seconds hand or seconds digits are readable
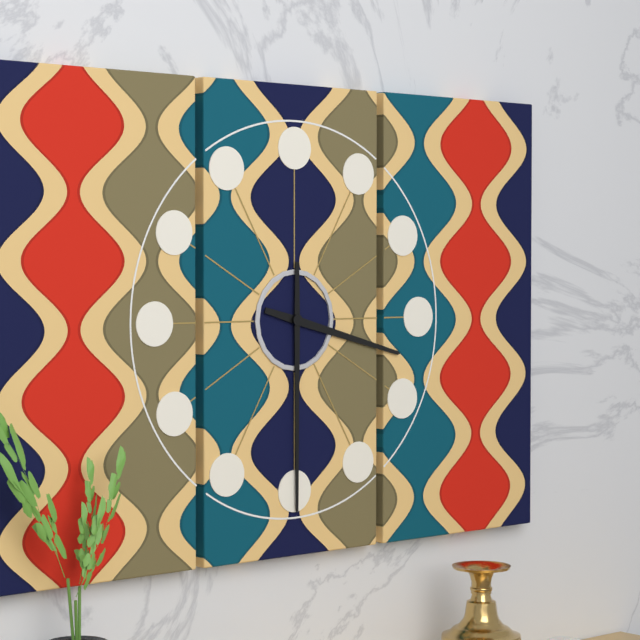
3:30
